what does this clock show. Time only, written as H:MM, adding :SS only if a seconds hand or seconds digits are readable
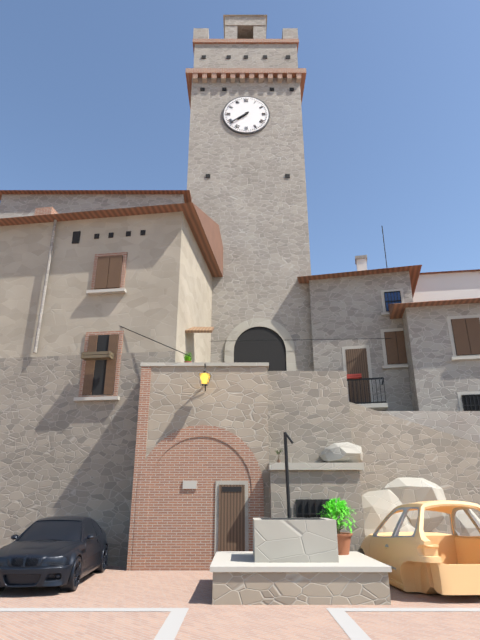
7:39
